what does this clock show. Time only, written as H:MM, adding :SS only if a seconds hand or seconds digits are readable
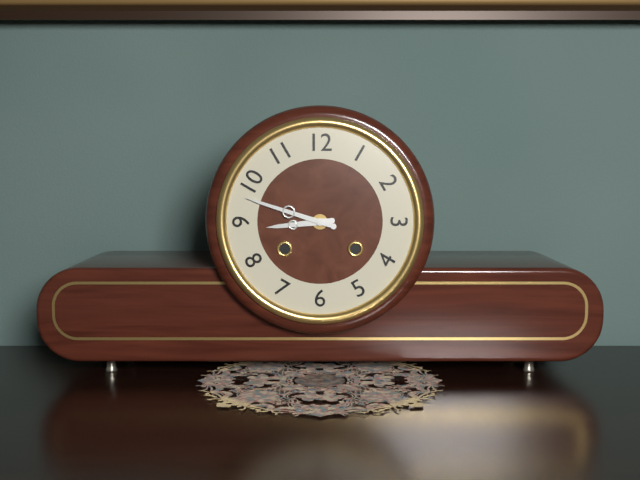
8:48
